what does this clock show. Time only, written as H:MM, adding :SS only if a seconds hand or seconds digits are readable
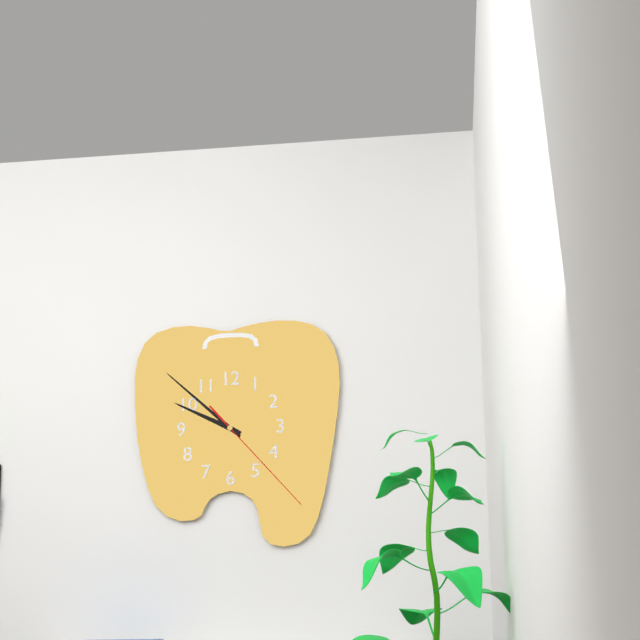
9:52:23
